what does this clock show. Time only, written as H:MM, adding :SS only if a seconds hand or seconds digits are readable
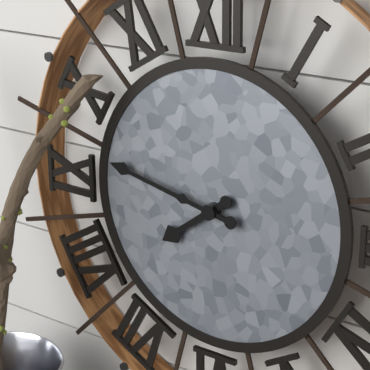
7:47
